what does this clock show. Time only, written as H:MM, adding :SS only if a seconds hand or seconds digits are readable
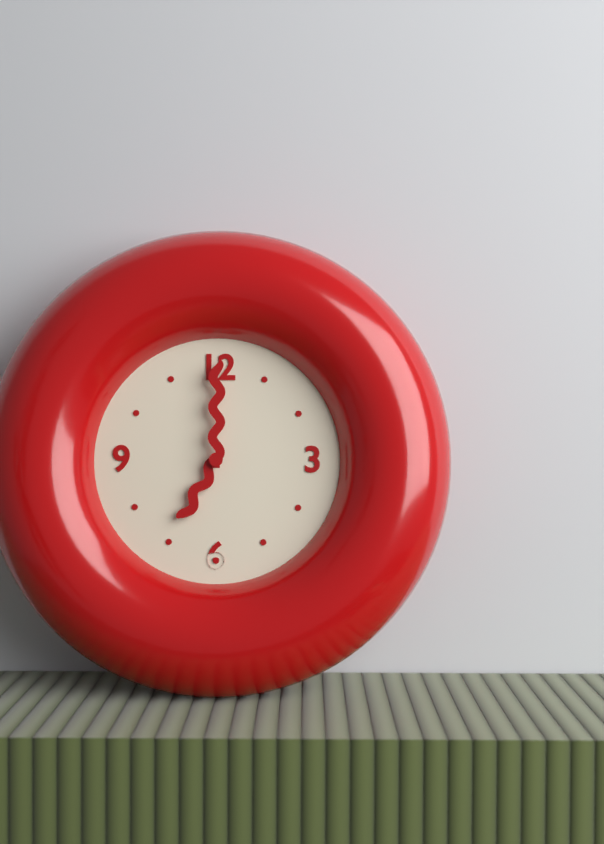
7:00
